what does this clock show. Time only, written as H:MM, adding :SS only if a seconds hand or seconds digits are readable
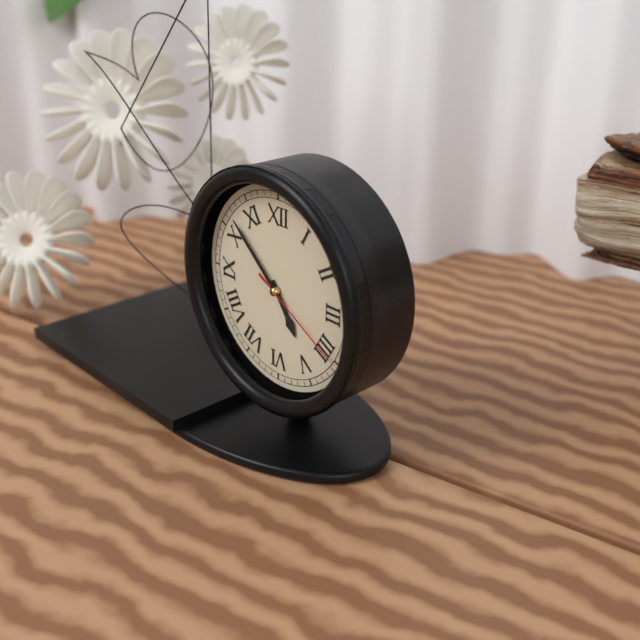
4:52:20
